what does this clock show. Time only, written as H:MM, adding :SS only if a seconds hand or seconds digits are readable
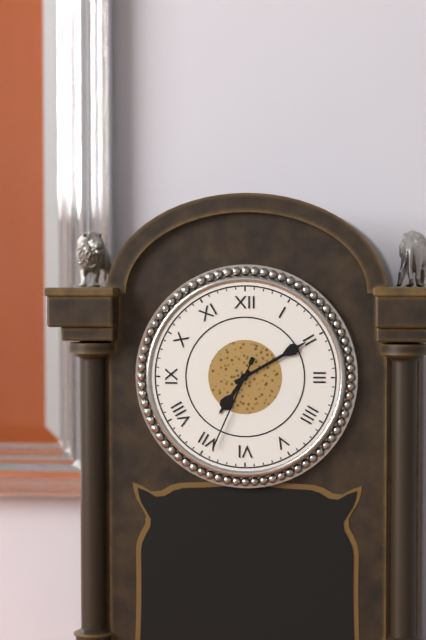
7:10:34
